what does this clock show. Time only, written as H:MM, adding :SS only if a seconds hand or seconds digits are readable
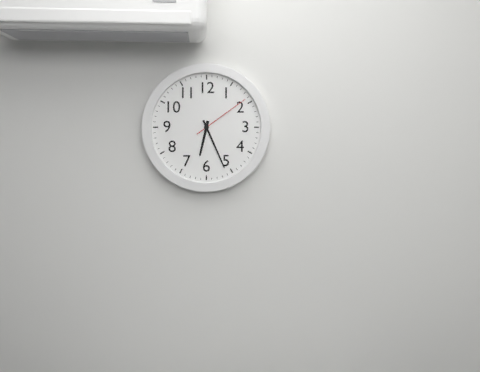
6:26:09
